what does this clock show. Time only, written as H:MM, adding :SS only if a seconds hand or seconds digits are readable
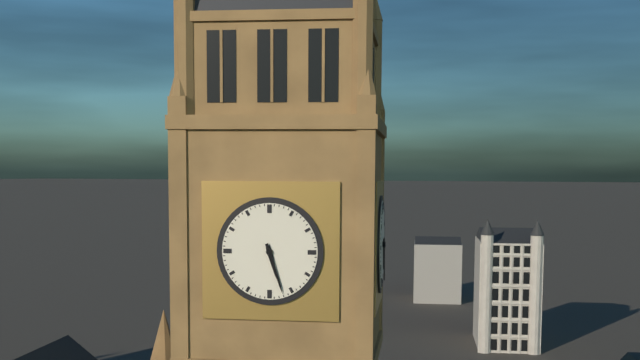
5:27
